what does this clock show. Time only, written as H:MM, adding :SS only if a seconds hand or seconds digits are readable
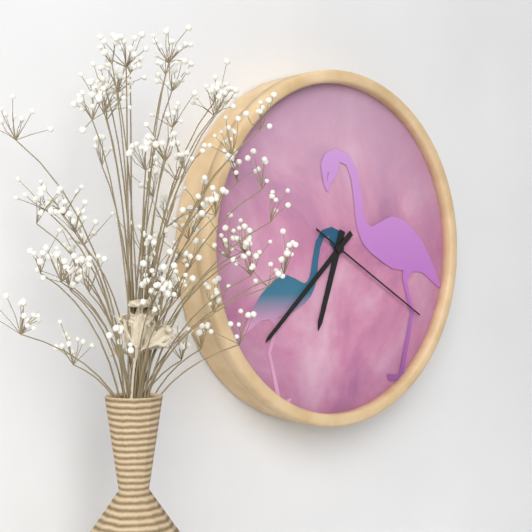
6:38:20
